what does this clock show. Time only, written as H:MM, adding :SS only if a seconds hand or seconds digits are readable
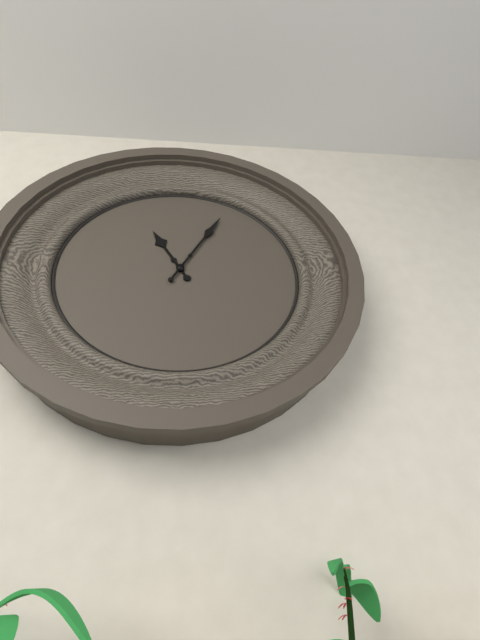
11:05
